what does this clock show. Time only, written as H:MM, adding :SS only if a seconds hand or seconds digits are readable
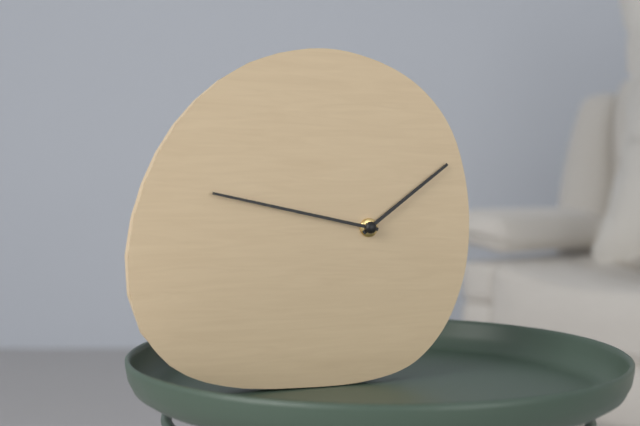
1:47
